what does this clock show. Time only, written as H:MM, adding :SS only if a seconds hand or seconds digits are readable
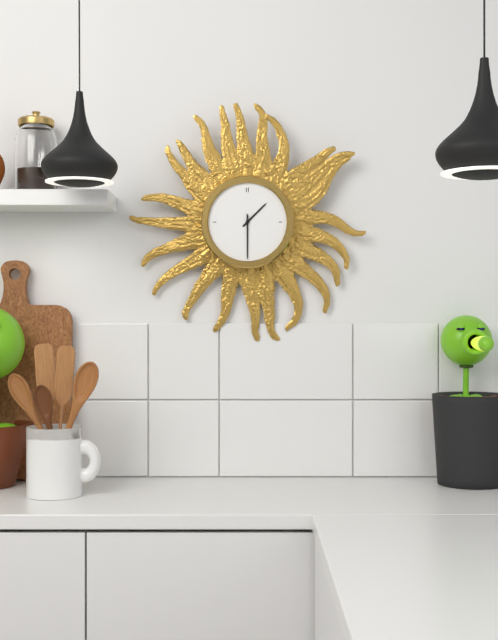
1:30
